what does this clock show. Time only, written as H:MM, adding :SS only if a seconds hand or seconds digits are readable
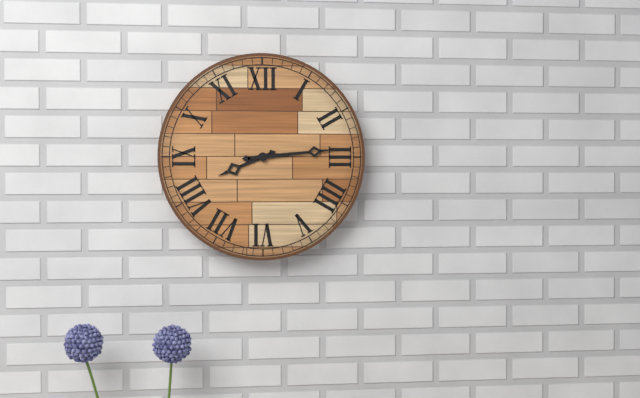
8:14
